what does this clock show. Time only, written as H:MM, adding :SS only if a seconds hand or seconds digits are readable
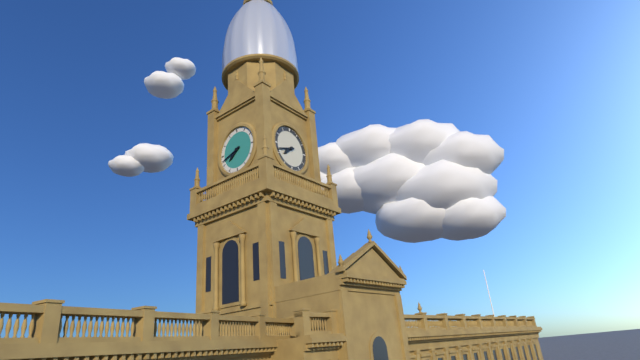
7:42
